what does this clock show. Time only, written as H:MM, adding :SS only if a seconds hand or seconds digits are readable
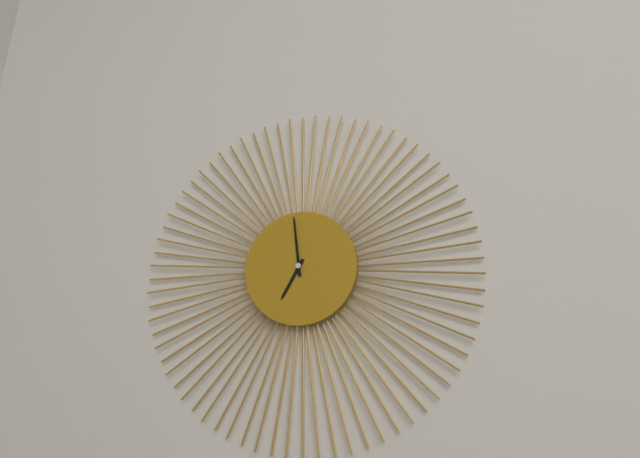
6:59
